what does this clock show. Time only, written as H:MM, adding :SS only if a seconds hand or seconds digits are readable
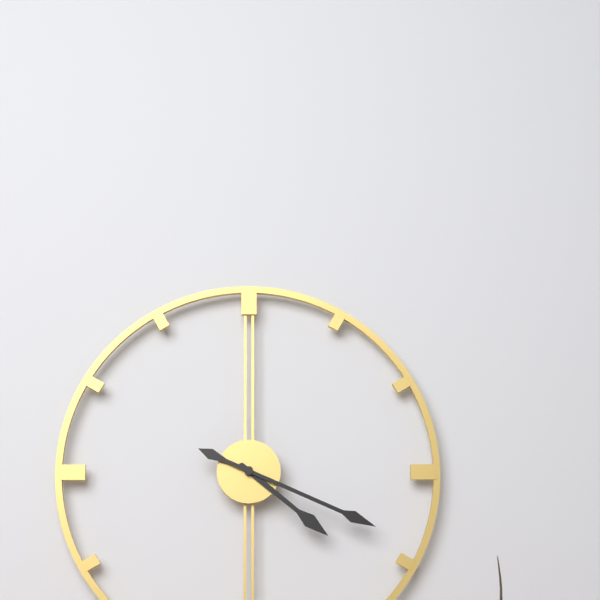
4:19
